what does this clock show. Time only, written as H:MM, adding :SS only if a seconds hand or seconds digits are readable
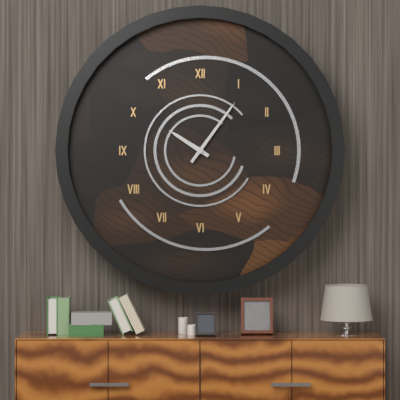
10:06
